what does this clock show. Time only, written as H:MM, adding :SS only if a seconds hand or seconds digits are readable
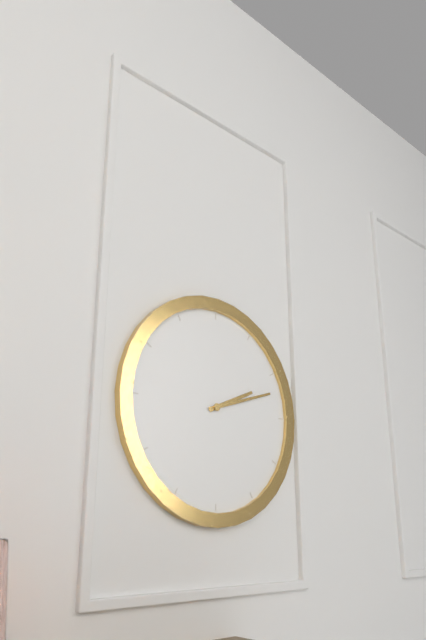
2:12
